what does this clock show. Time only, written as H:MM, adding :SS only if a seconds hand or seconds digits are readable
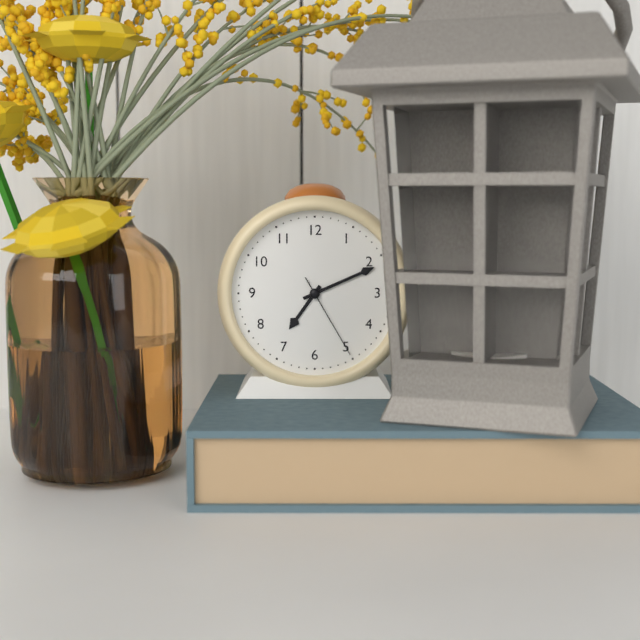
7:11:25
